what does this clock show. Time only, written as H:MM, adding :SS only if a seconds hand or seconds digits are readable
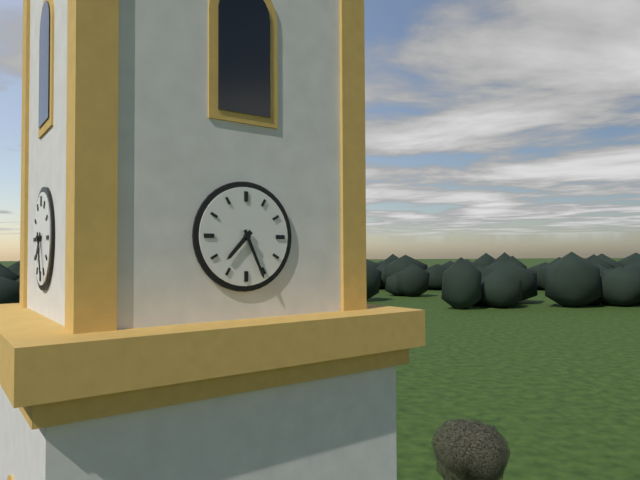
7:26
